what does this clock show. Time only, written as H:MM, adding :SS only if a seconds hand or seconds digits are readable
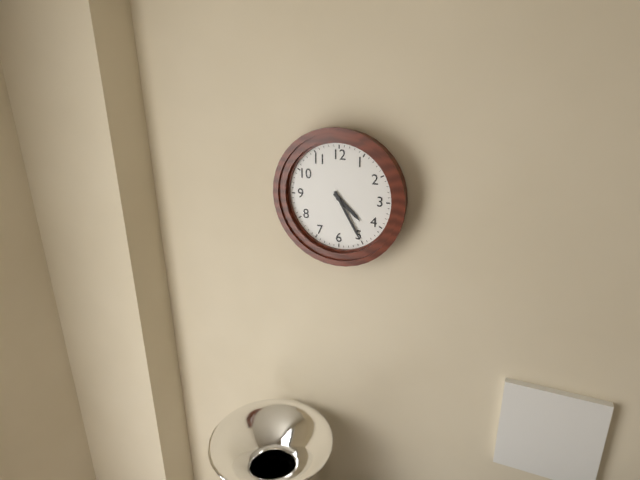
4:25
